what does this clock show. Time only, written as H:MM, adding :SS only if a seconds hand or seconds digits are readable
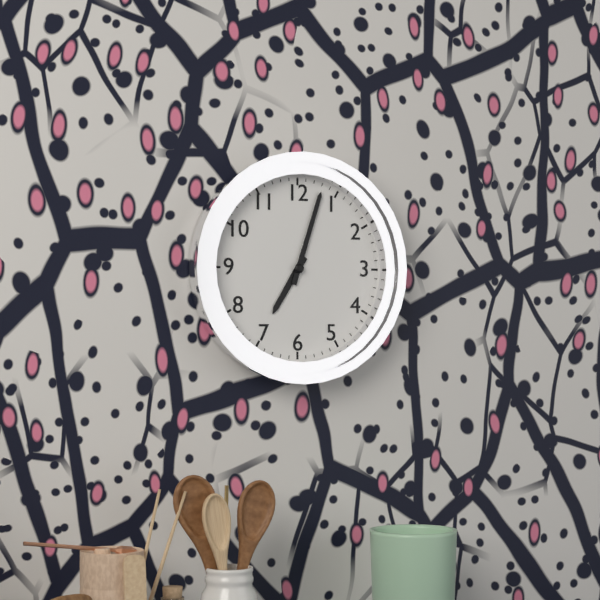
7:03
